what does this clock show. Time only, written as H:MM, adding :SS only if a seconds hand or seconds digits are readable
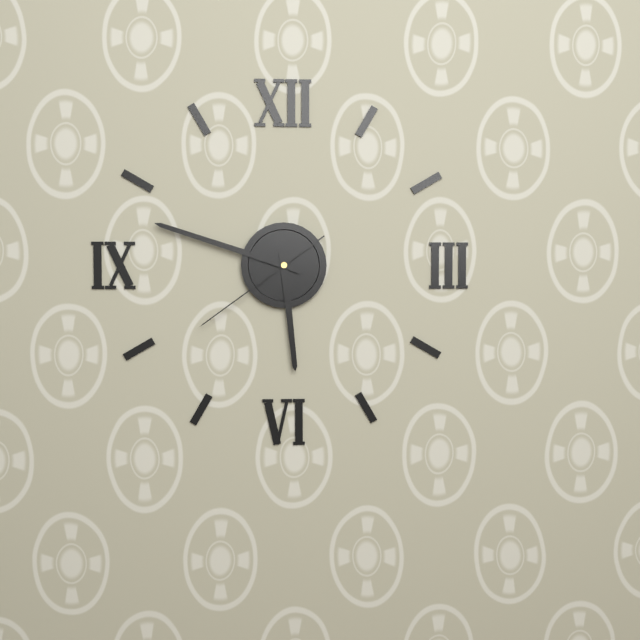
5:48:39
